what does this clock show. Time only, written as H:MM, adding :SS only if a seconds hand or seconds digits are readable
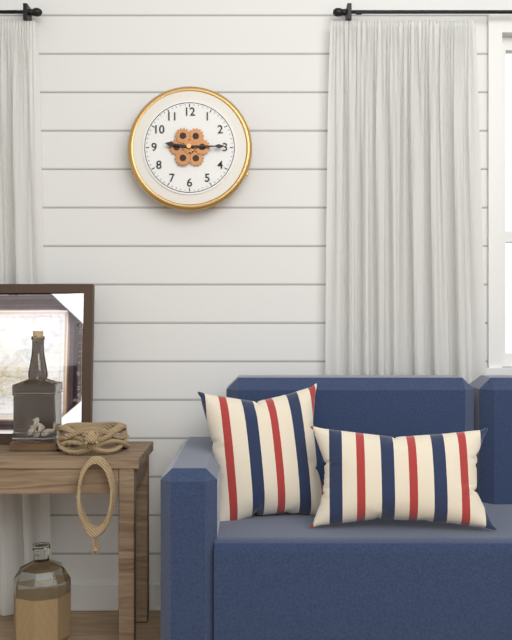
9:15
